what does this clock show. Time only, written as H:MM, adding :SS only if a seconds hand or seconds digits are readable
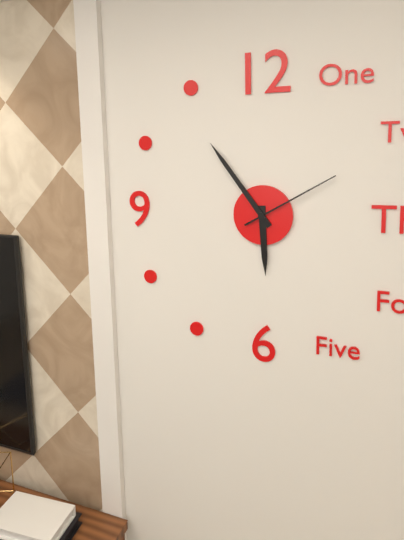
5:54:10
